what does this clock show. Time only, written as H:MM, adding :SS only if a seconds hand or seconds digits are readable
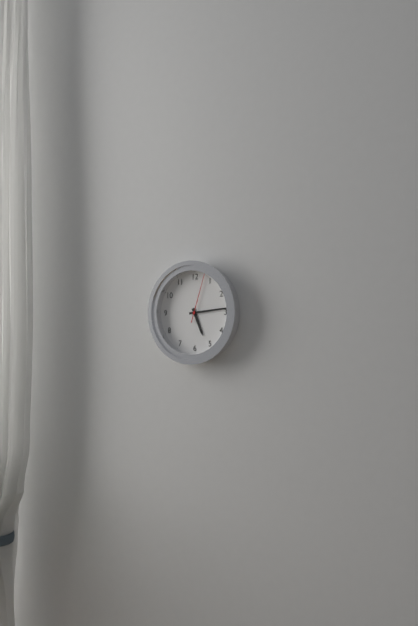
5:14:03
